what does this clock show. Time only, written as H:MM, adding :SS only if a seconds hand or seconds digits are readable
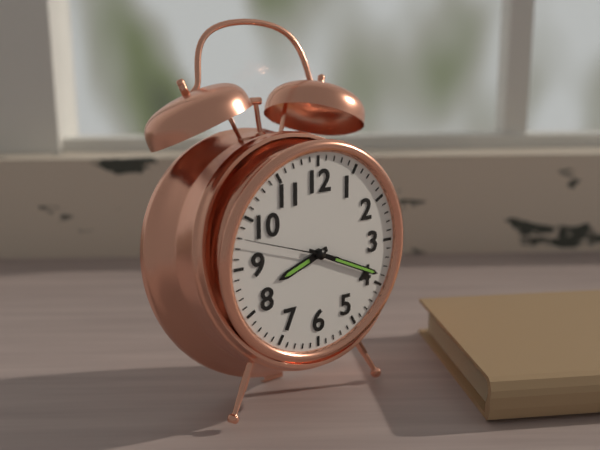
8:19:48
